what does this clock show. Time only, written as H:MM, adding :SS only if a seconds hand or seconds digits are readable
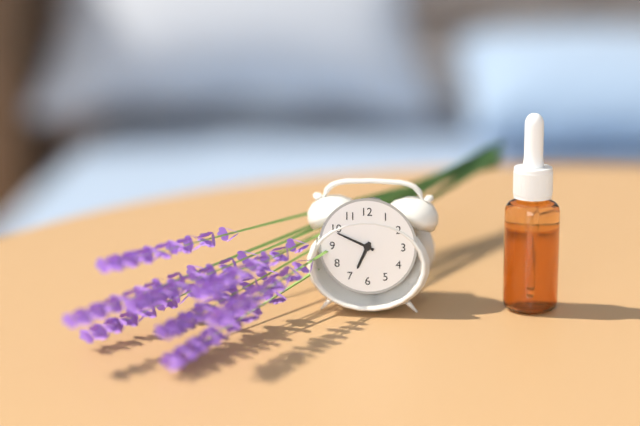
6:49
